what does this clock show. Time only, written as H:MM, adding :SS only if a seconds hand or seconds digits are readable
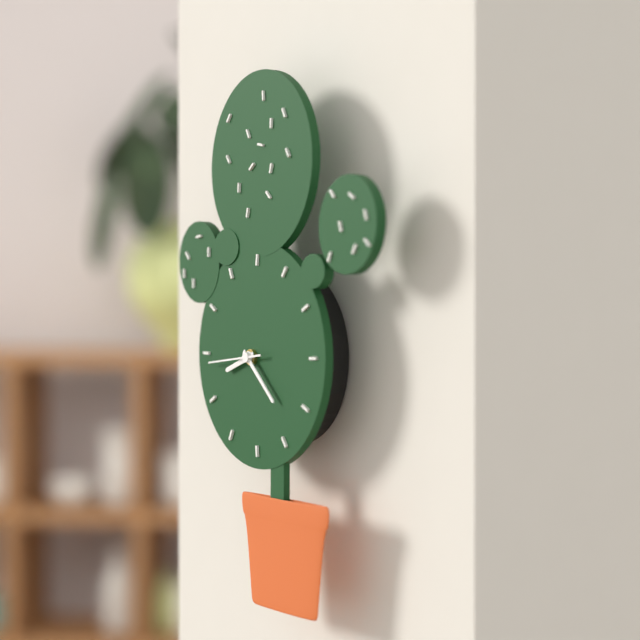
8:22:44
